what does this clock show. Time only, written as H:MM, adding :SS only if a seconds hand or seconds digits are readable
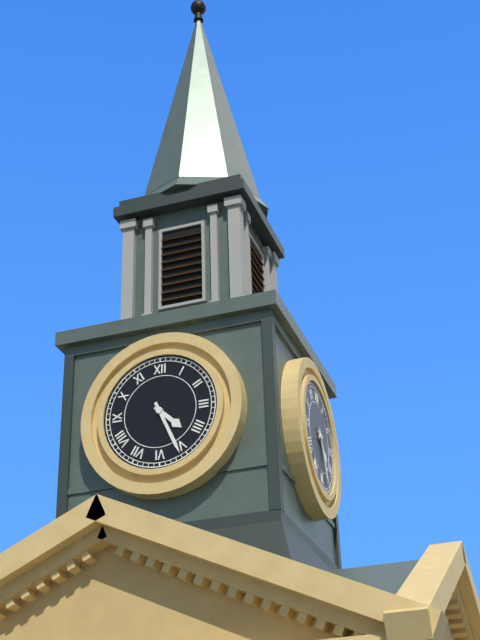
4:26
